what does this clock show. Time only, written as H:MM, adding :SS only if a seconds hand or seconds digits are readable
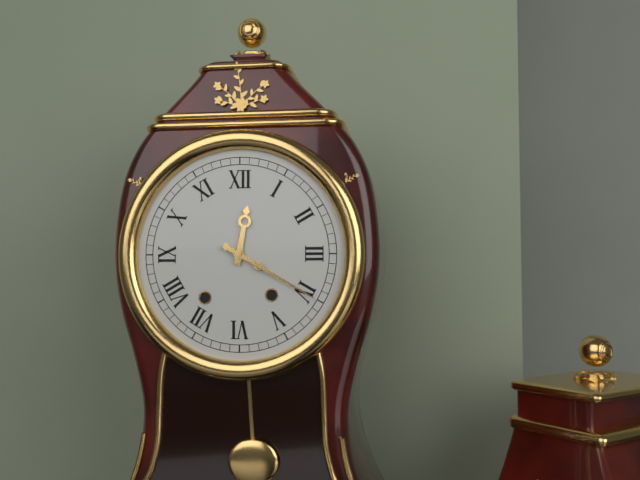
12:20
